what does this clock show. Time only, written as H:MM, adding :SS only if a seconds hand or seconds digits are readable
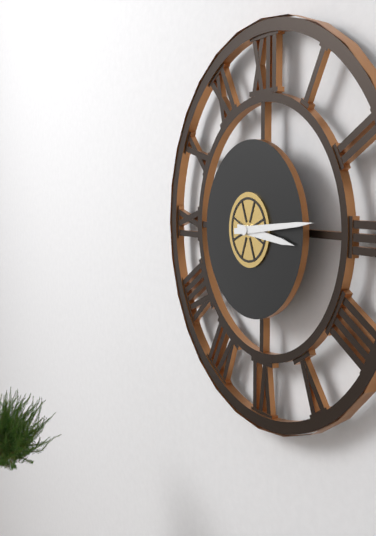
3:14
